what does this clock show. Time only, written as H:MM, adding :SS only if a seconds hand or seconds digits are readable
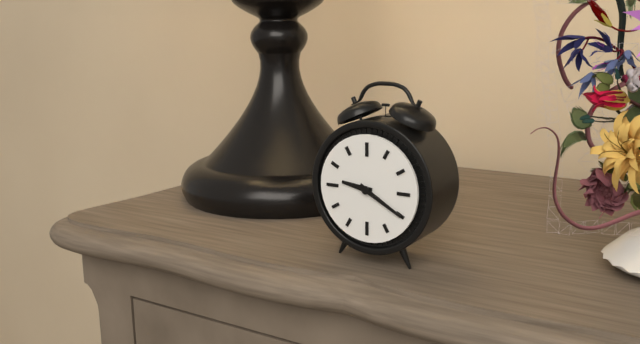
9:20
